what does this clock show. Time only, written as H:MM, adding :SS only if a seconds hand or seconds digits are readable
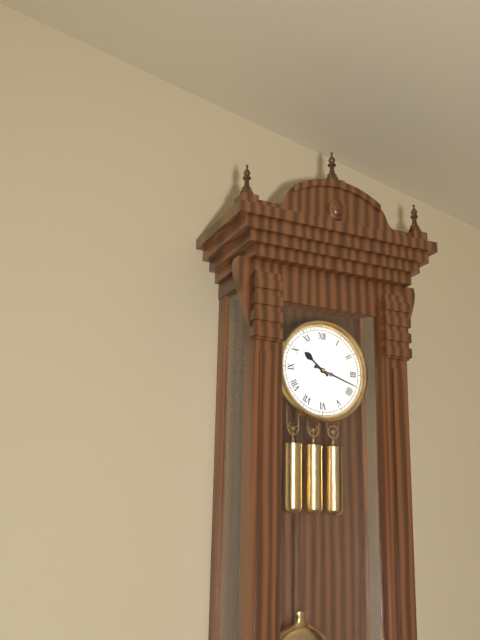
10:18
